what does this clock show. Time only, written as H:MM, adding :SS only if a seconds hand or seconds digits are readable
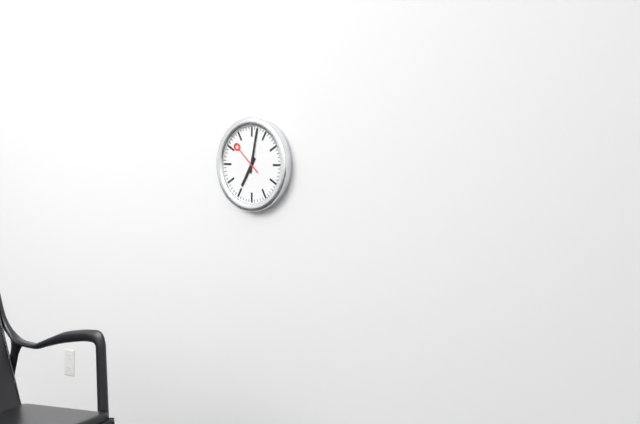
7:02
